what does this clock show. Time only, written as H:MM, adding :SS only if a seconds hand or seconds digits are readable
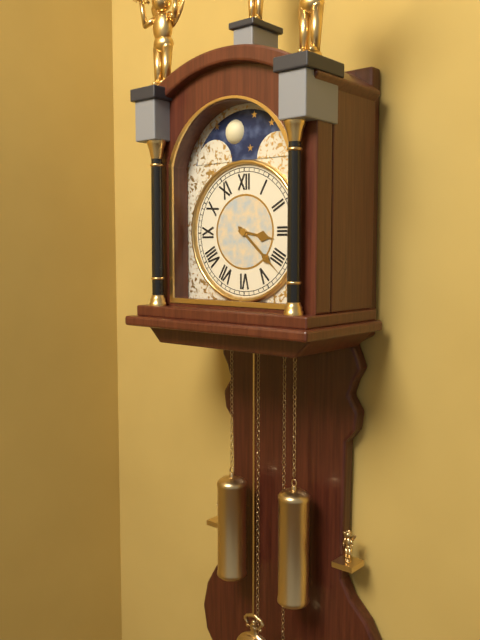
3:22
